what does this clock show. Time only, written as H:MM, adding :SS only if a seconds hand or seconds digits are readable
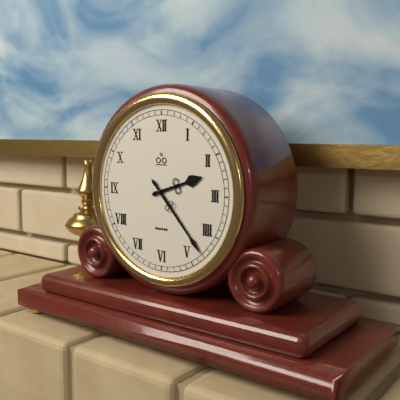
2:23
